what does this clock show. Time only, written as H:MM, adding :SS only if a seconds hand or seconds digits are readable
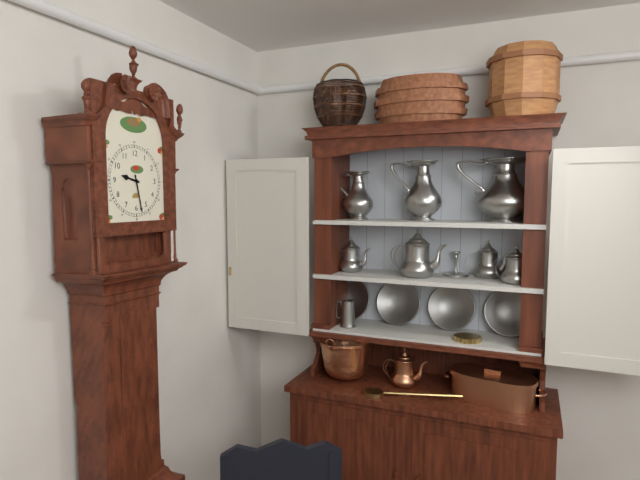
9:28
